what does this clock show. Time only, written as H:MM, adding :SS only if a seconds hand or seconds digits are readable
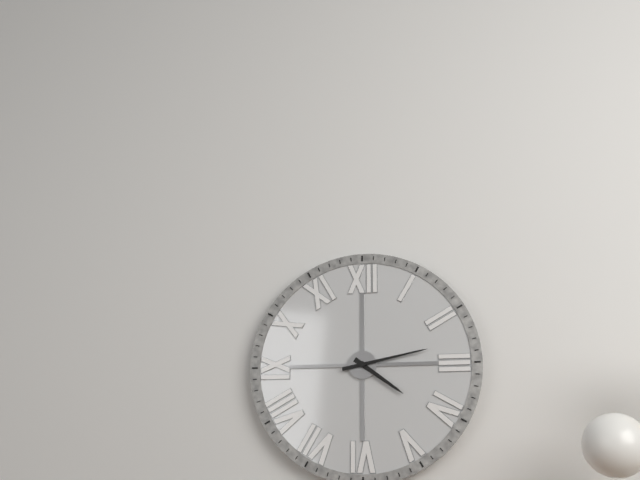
4:13
